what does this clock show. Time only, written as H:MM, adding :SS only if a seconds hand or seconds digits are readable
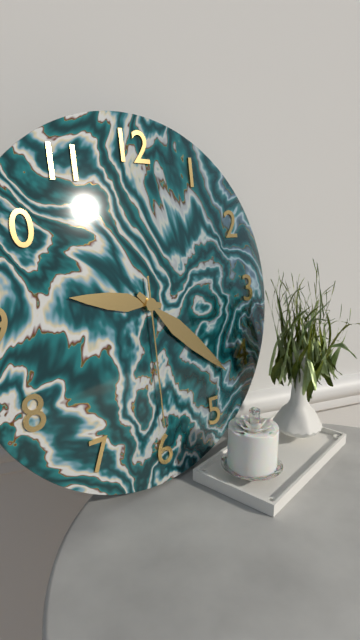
9:22:30
